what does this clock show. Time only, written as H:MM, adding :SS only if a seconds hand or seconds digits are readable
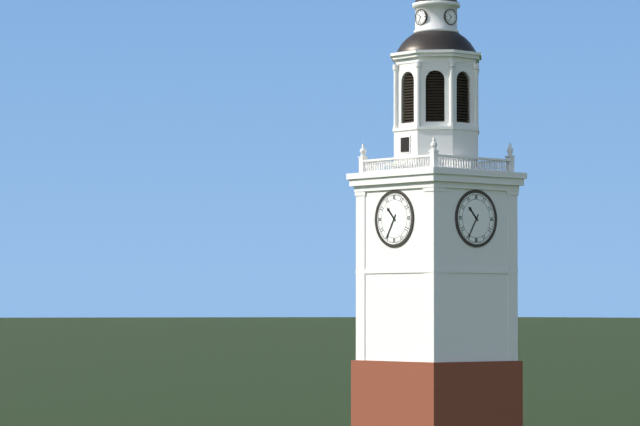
10:35
